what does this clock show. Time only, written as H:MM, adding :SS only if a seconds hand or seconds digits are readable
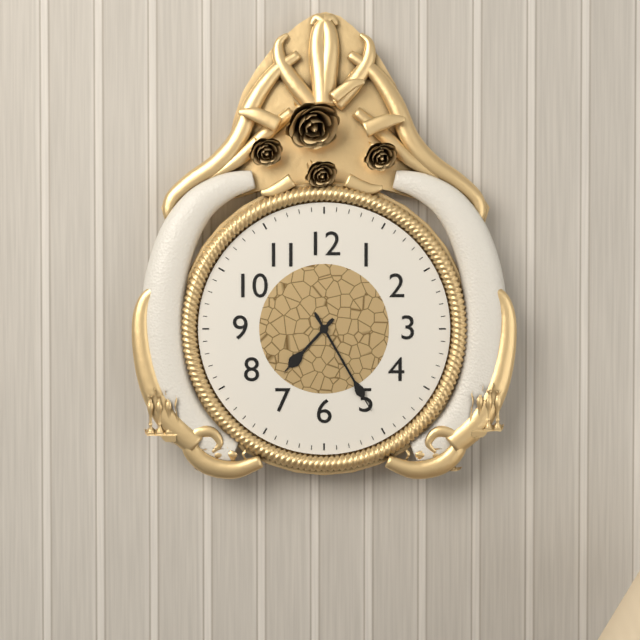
7:25
